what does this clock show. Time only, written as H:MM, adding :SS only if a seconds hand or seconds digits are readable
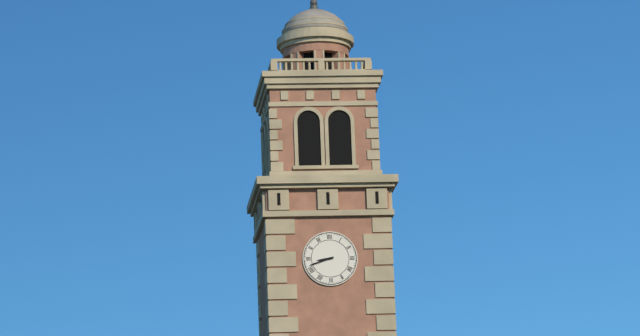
8:42
